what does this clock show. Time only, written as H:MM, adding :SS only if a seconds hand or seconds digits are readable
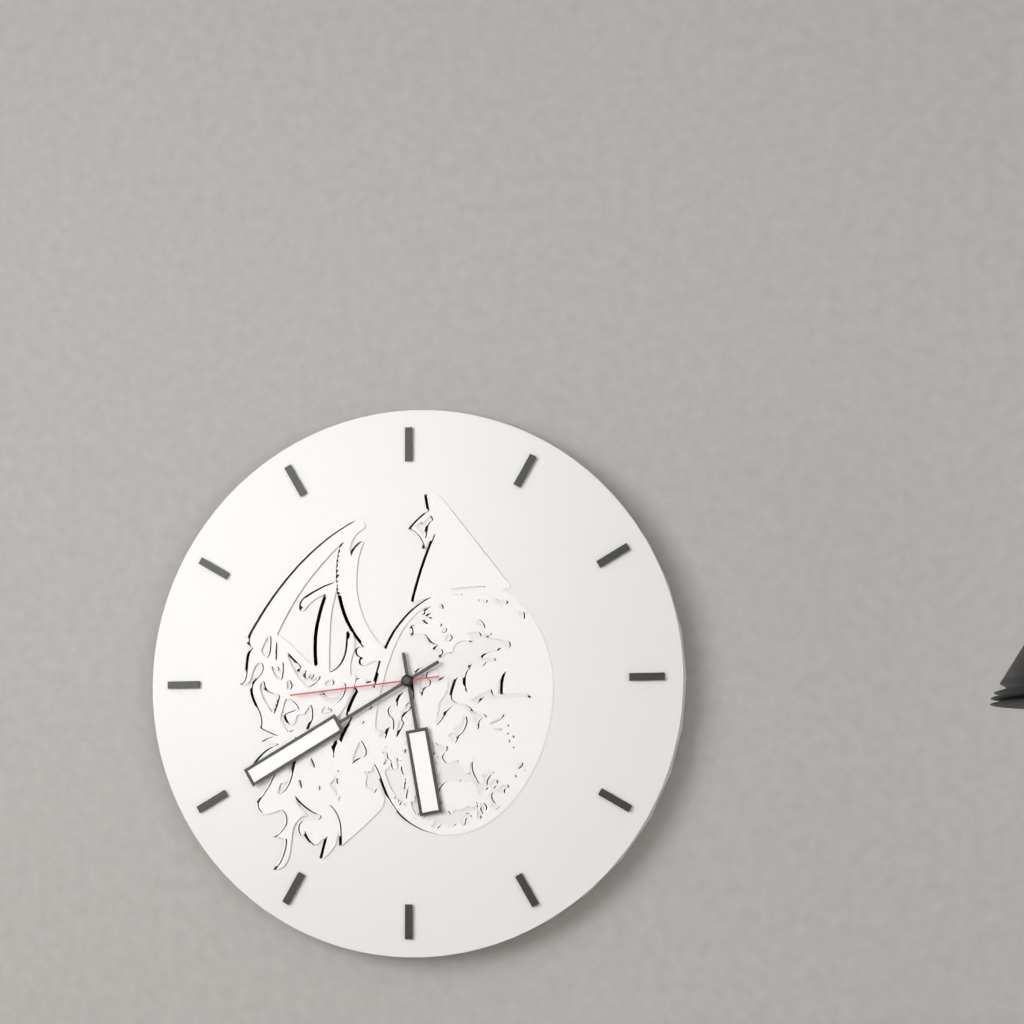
5:40:44
